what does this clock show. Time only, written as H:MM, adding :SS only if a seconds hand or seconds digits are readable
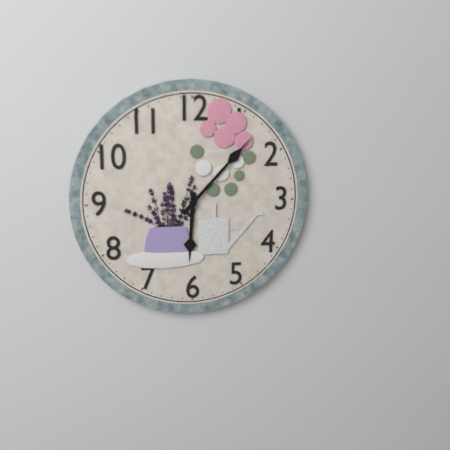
6:07
